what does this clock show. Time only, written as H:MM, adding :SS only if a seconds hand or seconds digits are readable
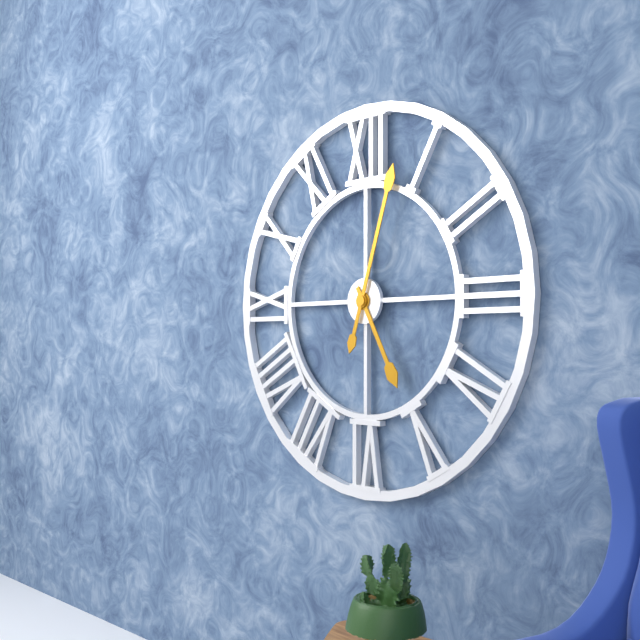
5:03
